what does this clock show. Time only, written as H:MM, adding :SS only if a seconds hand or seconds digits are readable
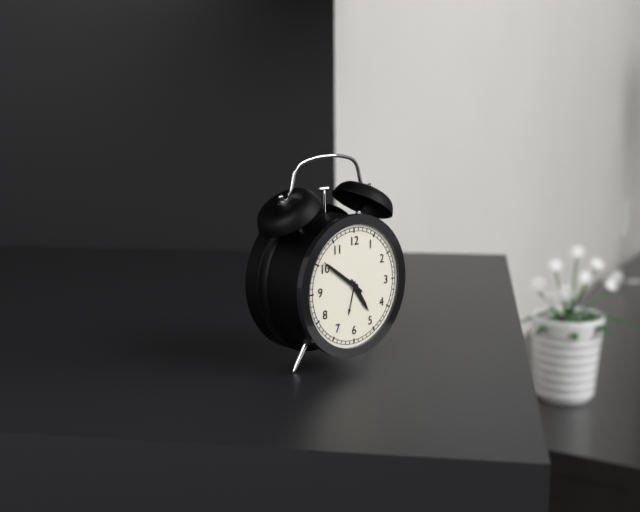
4:51
